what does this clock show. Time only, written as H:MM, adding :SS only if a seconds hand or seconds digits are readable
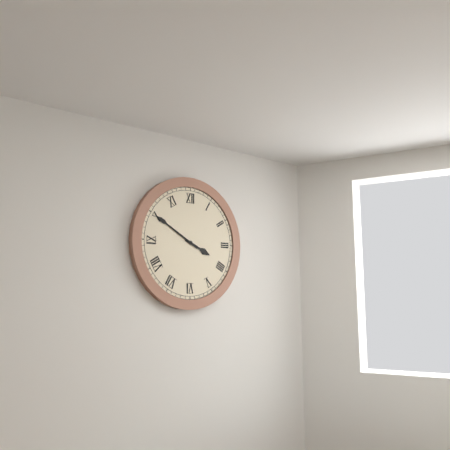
3:50
